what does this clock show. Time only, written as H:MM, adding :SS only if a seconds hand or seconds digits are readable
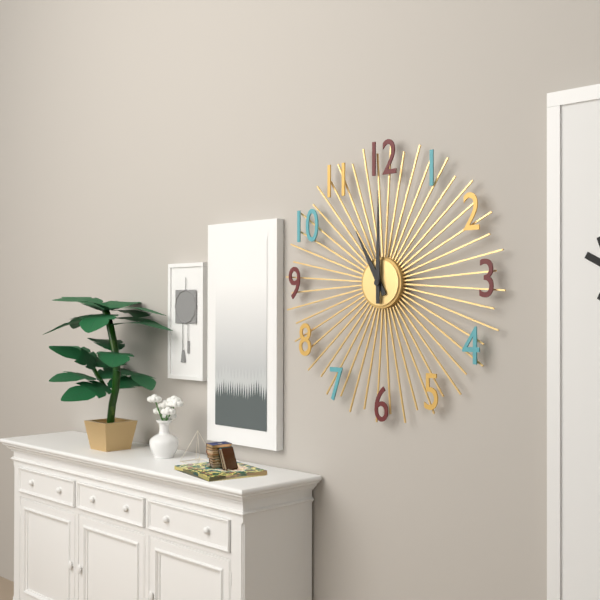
11:00
